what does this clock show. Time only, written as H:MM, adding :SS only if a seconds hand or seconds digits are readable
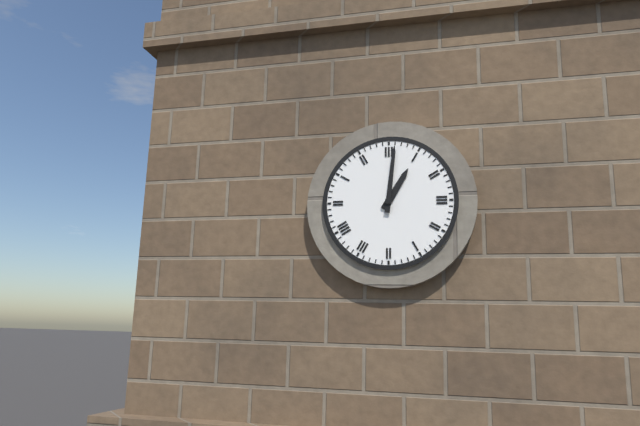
1:01
